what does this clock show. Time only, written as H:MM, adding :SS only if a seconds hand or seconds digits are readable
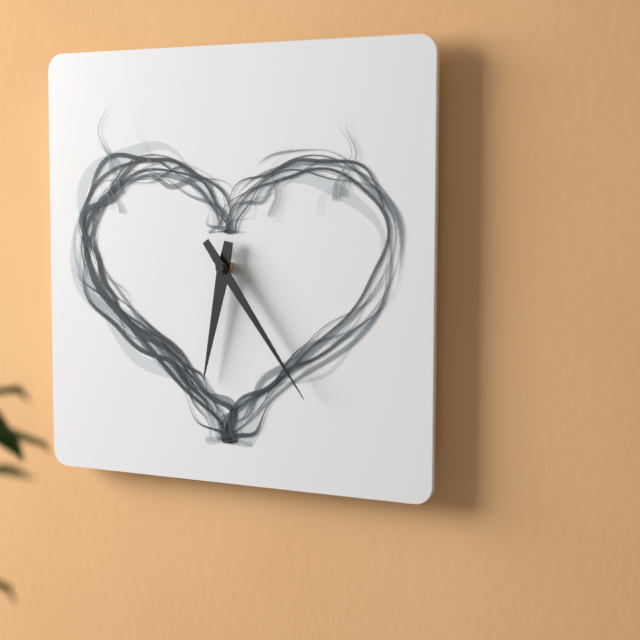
6:24
